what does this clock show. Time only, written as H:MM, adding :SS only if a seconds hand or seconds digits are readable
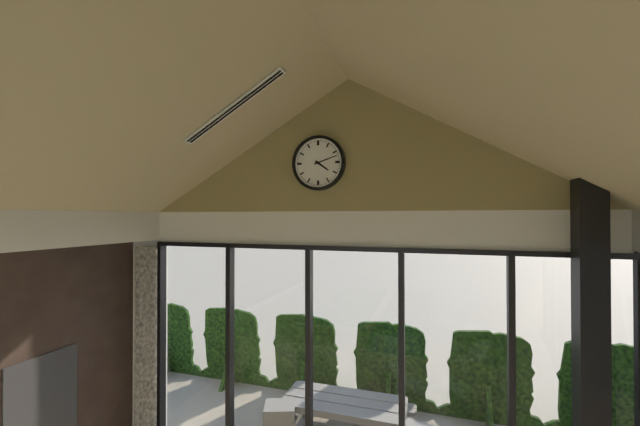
4:12
